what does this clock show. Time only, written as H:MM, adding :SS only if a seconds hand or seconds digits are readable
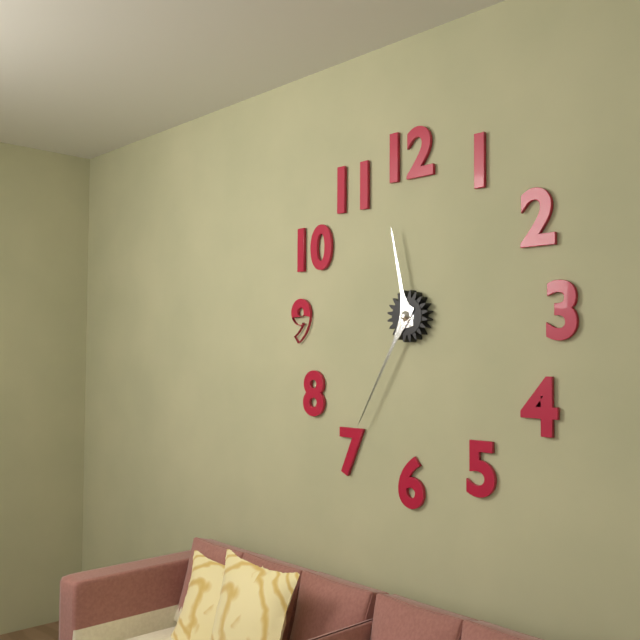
11:35
